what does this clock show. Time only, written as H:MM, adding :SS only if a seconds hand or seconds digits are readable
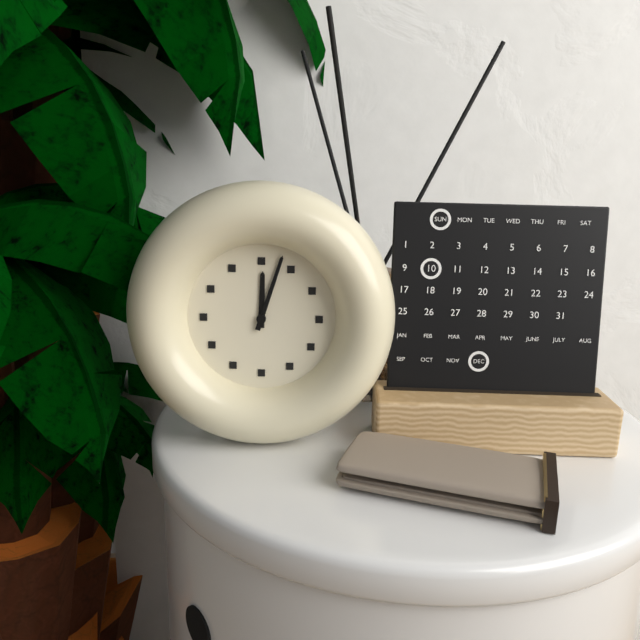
12:03
